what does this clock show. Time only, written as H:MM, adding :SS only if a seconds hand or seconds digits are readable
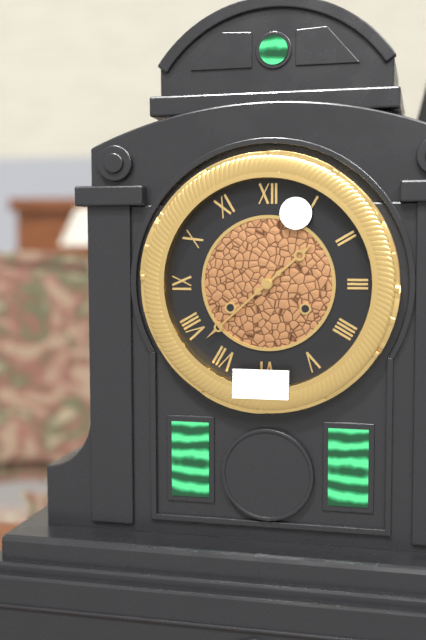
1:38
